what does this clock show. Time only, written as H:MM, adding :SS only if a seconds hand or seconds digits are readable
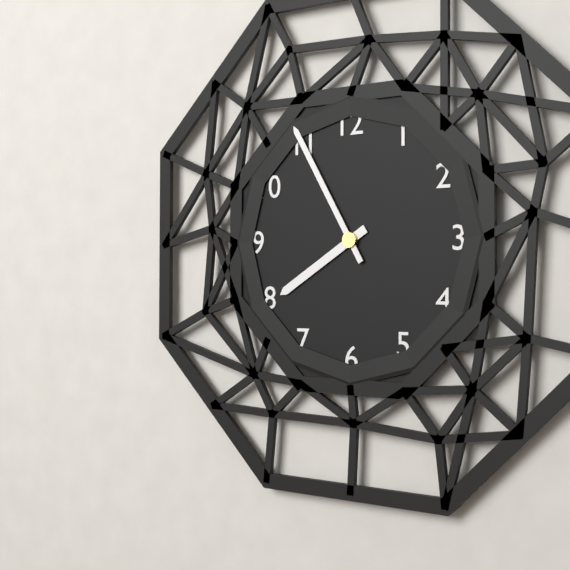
7:55
